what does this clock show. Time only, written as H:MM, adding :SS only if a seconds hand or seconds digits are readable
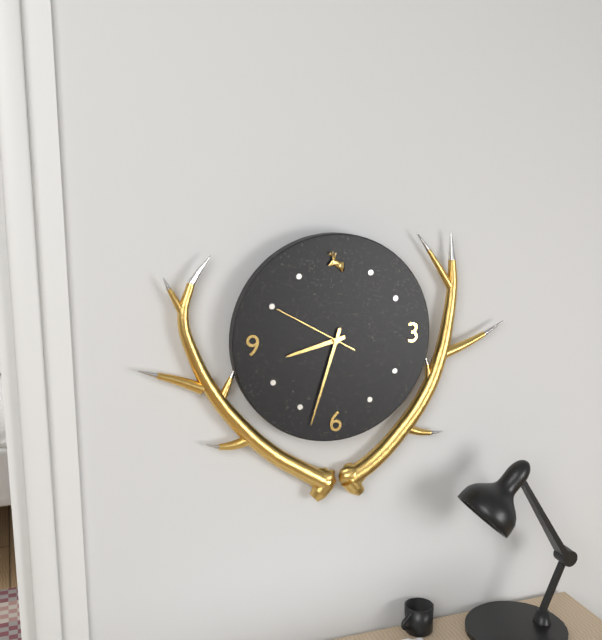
8:33:50
